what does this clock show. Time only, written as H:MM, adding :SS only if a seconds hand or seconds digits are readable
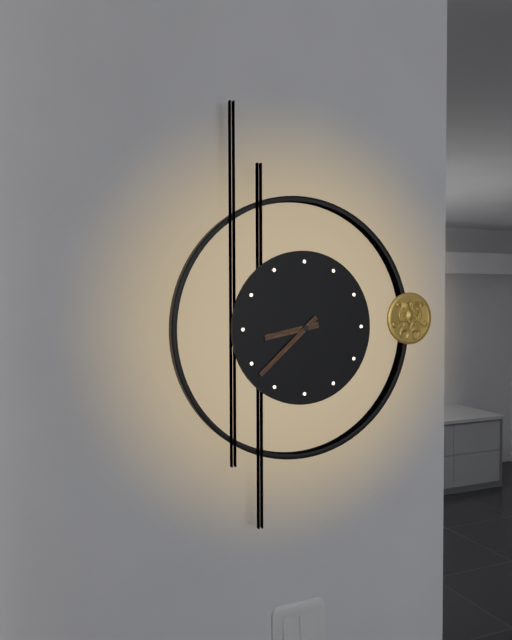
8:38
